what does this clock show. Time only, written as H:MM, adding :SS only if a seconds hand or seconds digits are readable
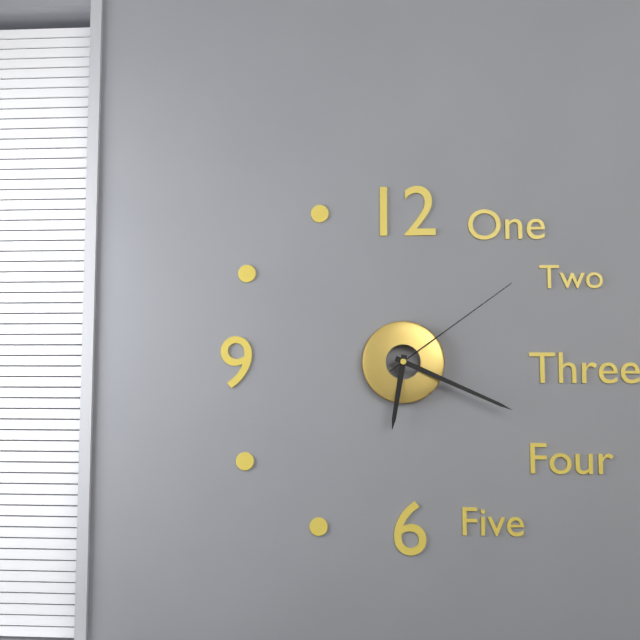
6:19:09
